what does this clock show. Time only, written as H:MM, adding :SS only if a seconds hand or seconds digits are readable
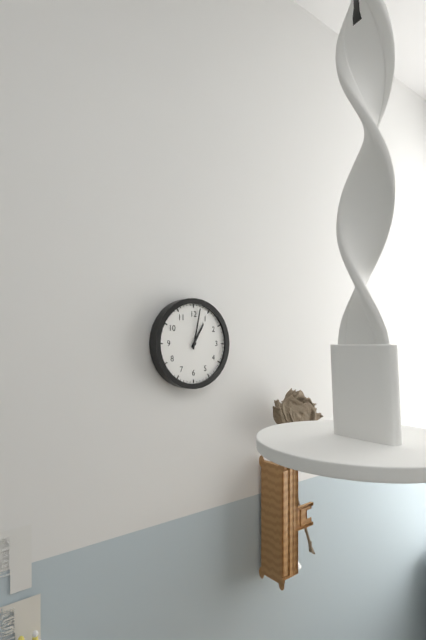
1:02
